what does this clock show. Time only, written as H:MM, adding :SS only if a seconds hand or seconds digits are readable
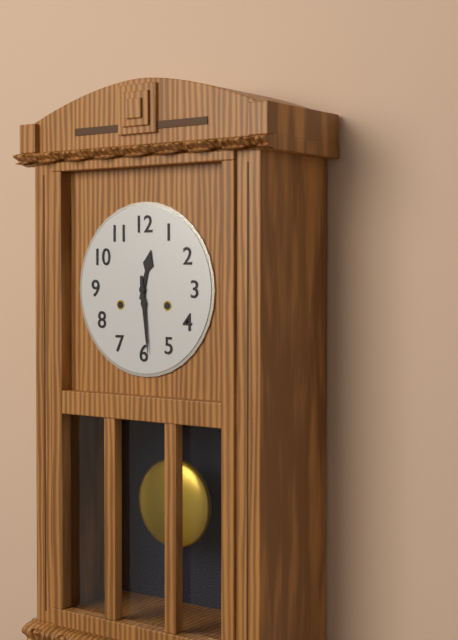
12:29
